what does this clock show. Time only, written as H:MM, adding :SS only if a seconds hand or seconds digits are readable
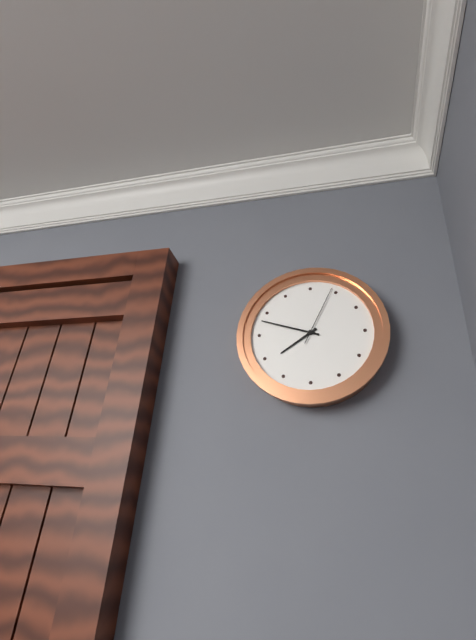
7:48:04
